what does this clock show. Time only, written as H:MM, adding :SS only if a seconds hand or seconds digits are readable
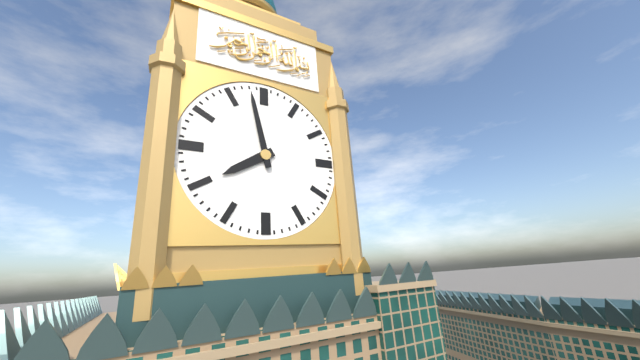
7:58
